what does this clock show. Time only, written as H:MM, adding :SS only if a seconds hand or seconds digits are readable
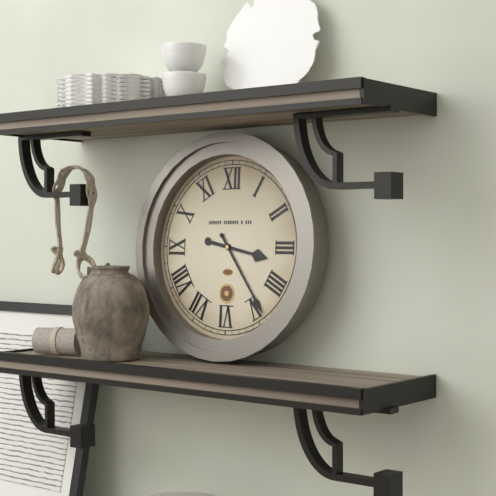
3:24
